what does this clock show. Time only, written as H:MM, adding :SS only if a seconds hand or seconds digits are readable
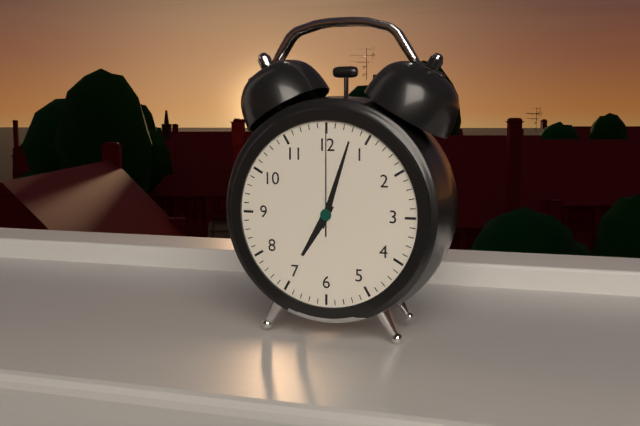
7:03:00
